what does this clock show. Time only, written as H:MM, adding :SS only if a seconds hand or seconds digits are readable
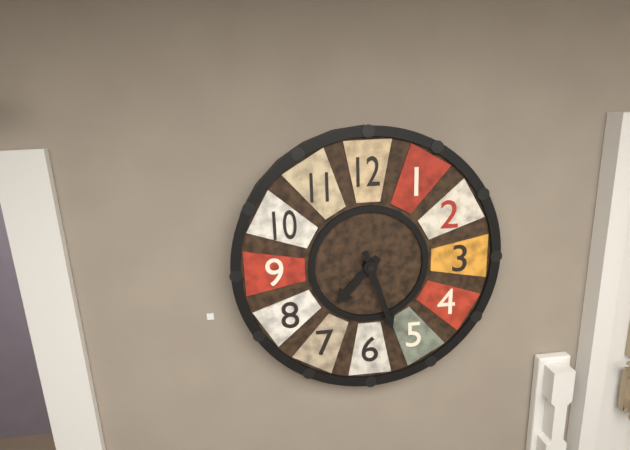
7:27
